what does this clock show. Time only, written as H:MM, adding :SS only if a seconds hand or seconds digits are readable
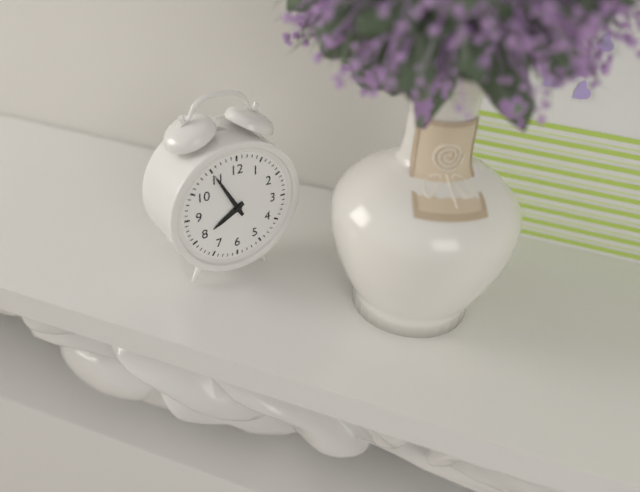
7:55
